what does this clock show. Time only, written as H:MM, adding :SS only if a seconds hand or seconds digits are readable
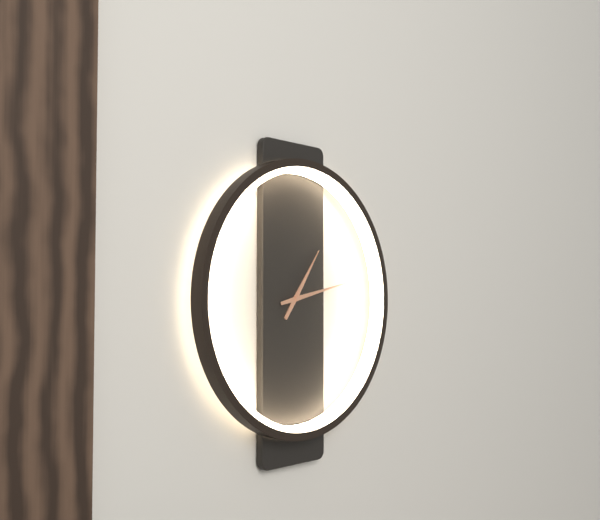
1:13
